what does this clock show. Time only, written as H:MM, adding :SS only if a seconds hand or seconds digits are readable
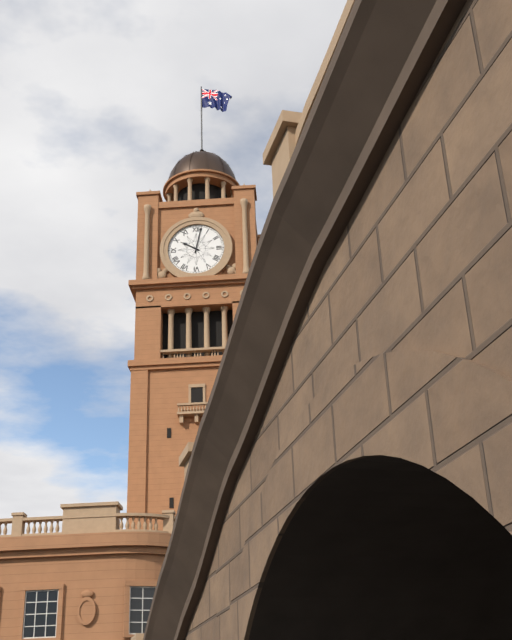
10:02
